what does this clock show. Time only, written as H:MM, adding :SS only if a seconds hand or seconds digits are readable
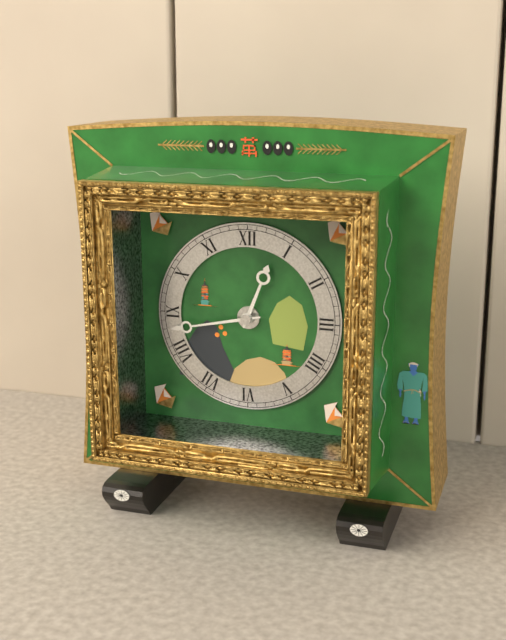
12:43
